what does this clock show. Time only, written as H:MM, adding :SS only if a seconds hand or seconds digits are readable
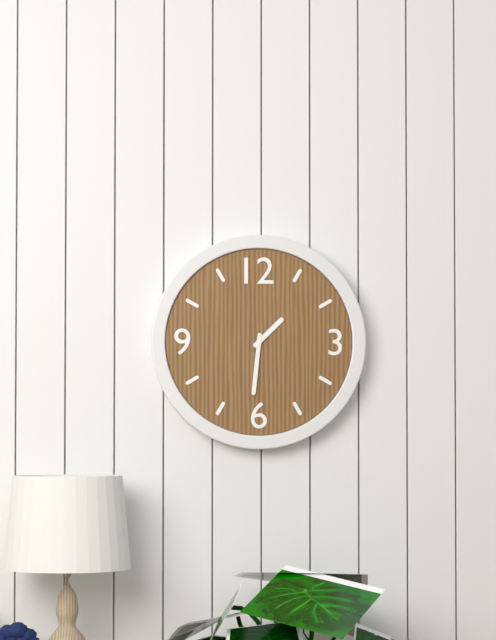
1:31
